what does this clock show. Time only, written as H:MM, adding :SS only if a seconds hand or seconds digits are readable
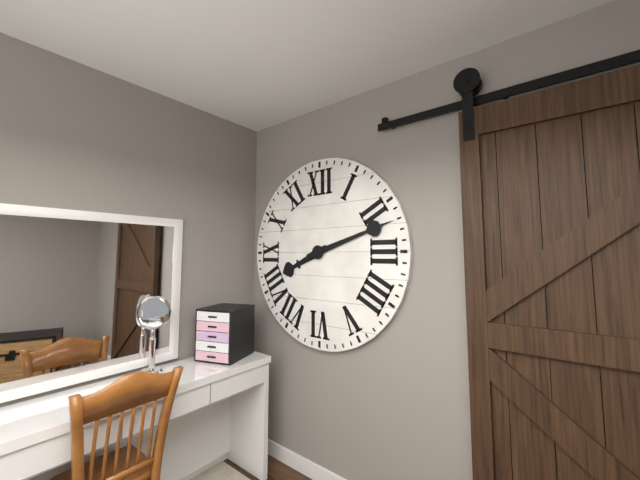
8:12
